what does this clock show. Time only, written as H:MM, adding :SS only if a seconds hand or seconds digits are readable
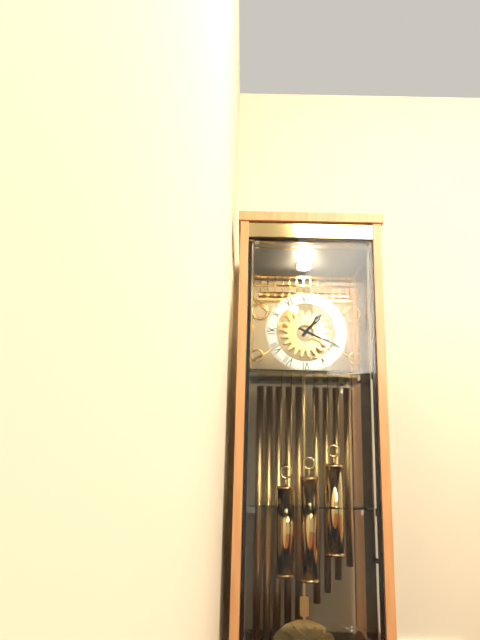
1:19
